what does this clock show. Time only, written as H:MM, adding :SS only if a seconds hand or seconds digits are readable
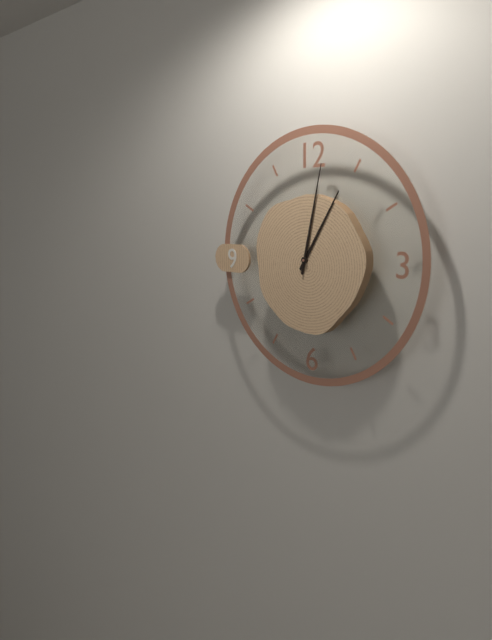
1:02
